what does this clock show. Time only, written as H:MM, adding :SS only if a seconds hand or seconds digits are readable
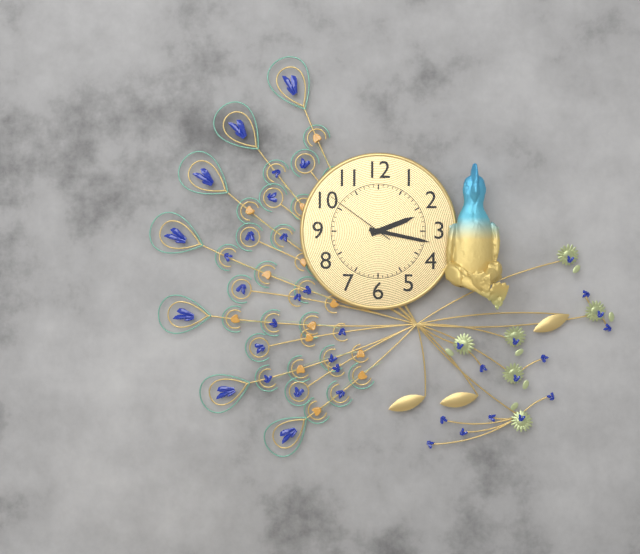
2:17:51
